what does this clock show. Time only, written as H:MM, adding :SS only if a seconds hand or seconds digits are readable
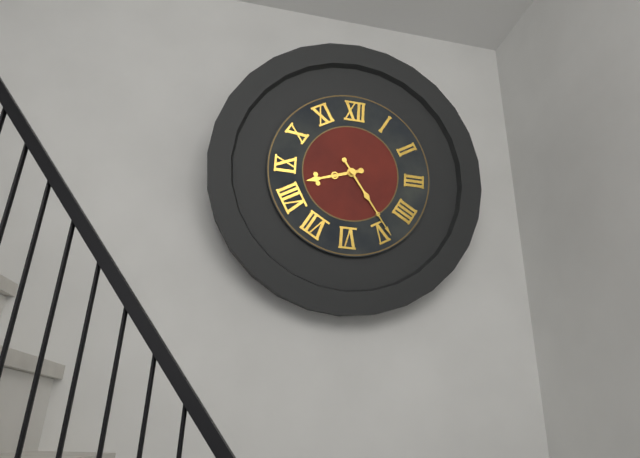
8:24
